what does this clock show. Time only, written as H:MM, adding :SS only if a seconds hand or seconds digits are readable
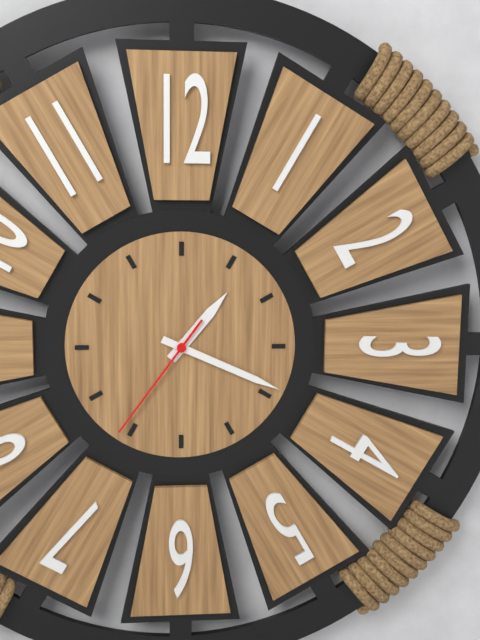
1:19:36
